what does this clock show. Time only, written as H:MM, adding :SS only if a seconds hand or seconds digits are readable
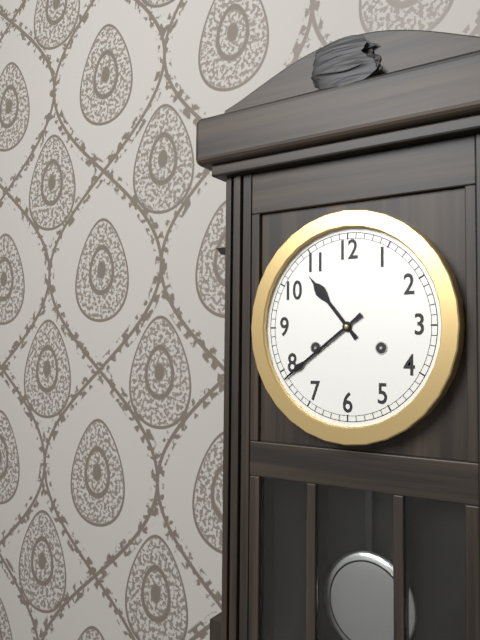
10:39
